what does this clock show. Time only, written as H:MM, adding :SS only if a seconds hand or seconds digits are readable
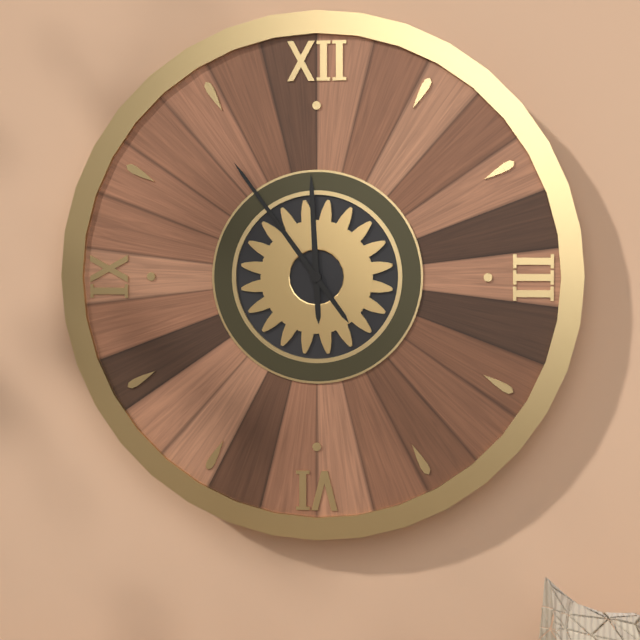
11:54
